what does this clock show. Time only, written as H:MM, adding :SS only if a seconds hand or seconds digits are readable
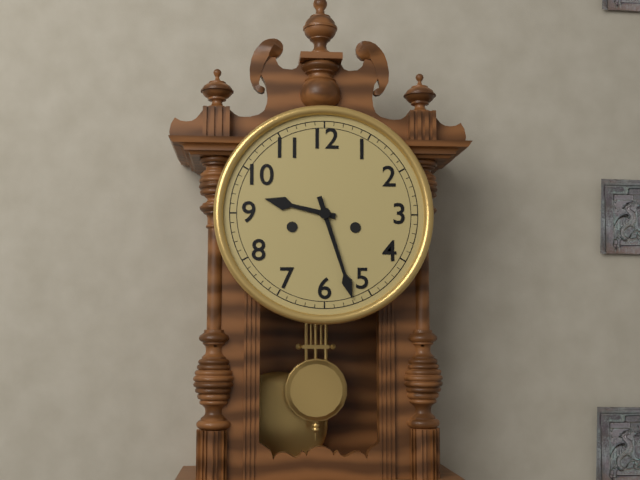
9:27
